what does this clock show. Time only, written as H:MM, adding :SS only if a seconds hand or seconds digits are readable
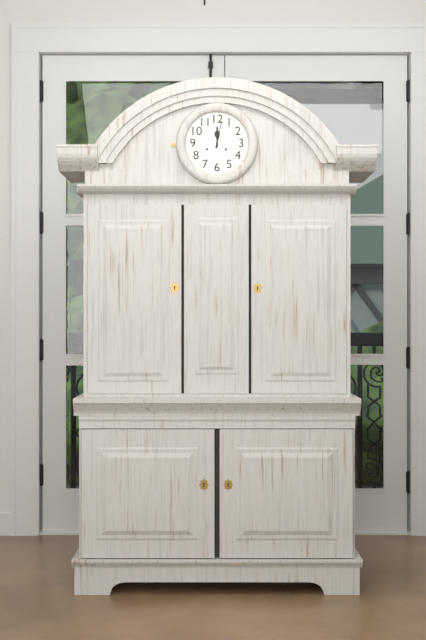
12:02
